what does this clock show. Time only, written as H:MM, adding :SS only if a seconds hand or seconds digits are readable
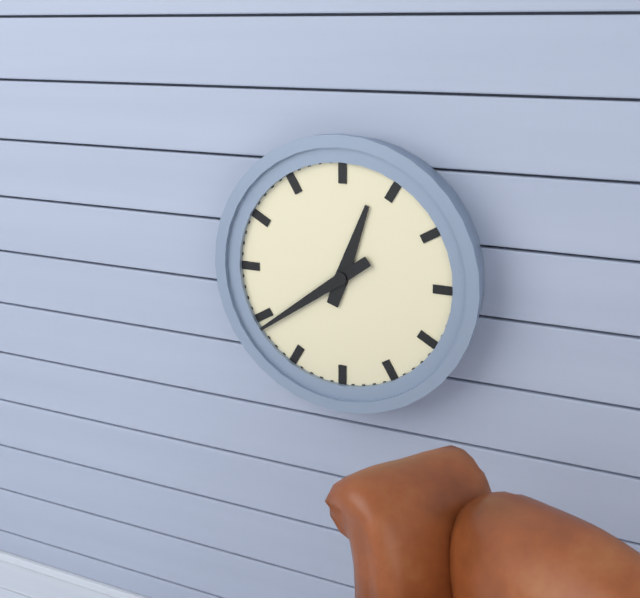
12:39
